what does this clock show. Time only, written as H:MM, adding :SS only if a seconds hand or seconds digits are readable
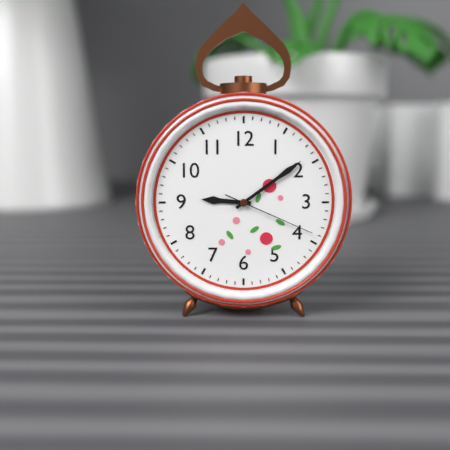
9:09:19
